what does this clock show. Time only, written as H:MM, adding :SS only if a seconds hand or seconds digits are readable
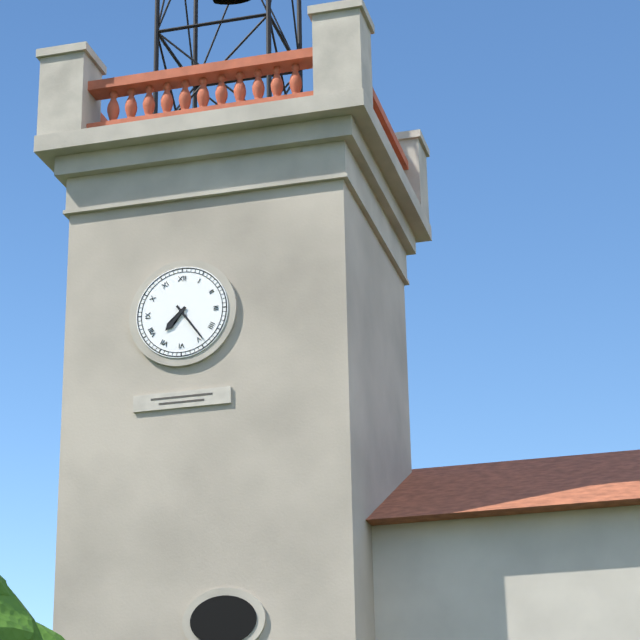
7:24
